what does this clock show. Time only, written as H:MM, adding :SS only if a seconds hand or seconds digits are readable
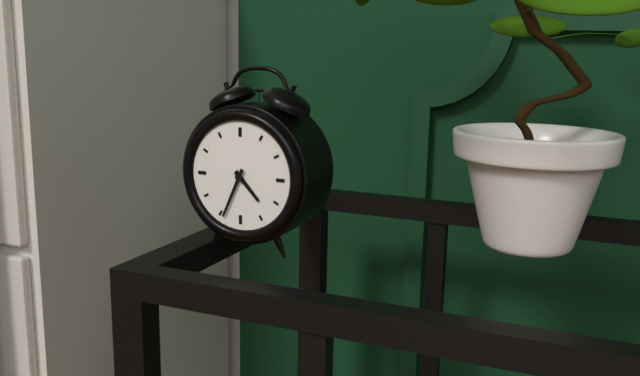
4:34
